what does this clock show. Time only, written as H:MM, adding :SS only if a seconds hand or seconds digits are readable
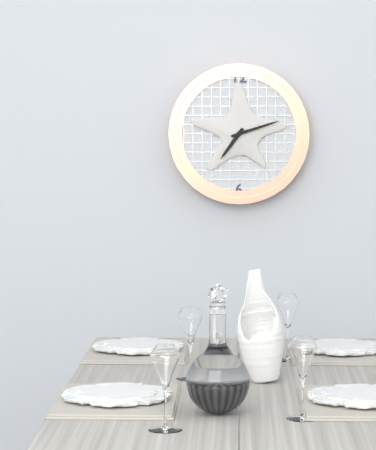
7:12
